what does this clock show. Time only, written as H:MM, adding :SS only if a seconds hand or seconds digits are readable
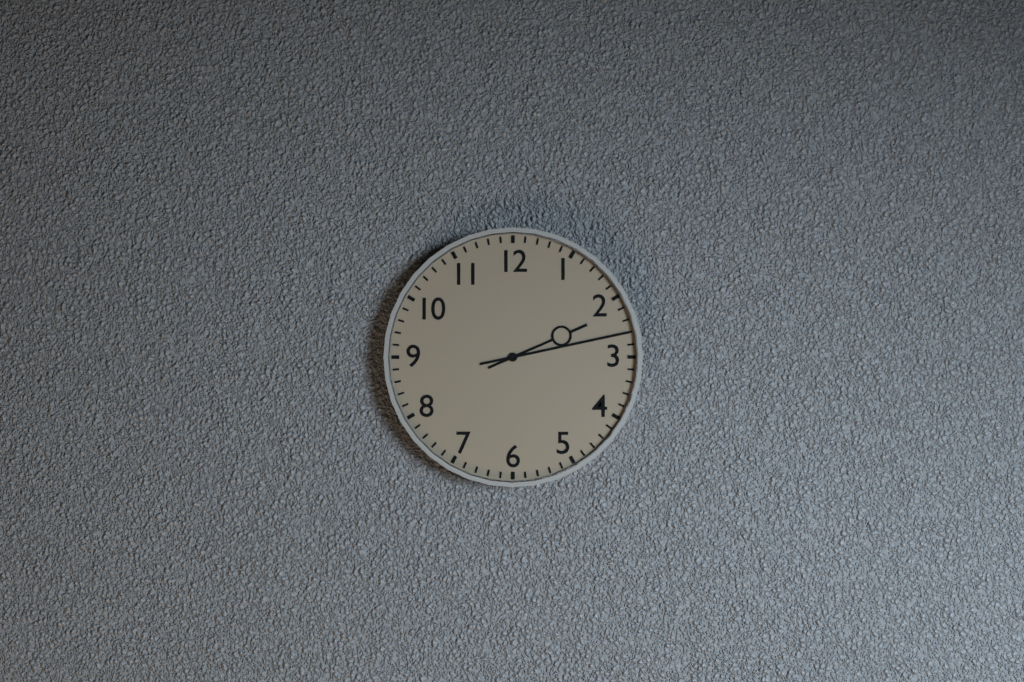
2:13
